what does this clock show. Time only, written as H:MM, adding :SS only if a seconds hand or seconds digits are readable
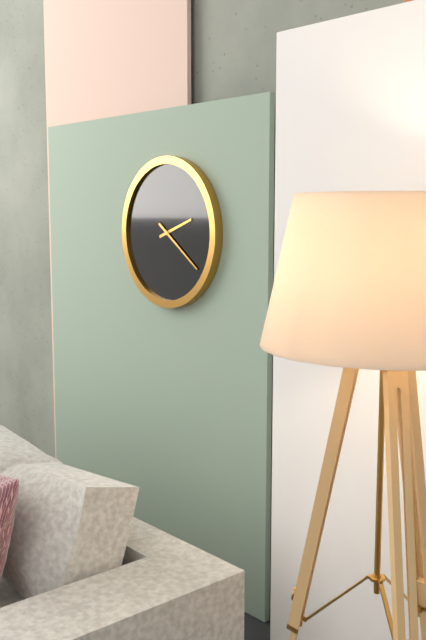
2:21
